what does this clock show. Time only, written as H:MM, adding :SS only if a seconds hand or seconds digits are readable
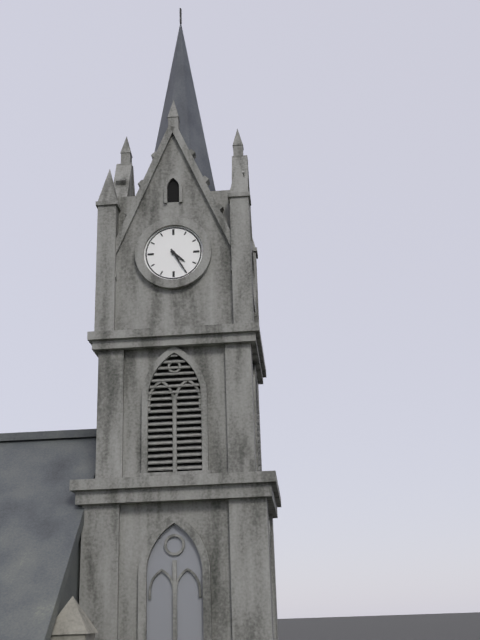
4:25
